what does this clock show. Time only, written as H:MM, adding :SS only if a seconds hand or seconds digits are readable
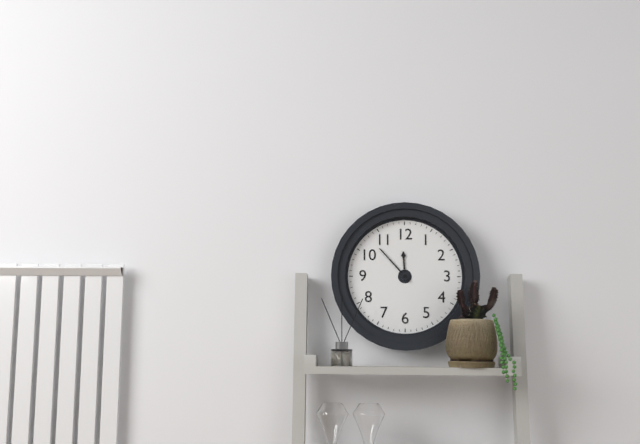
11:53
